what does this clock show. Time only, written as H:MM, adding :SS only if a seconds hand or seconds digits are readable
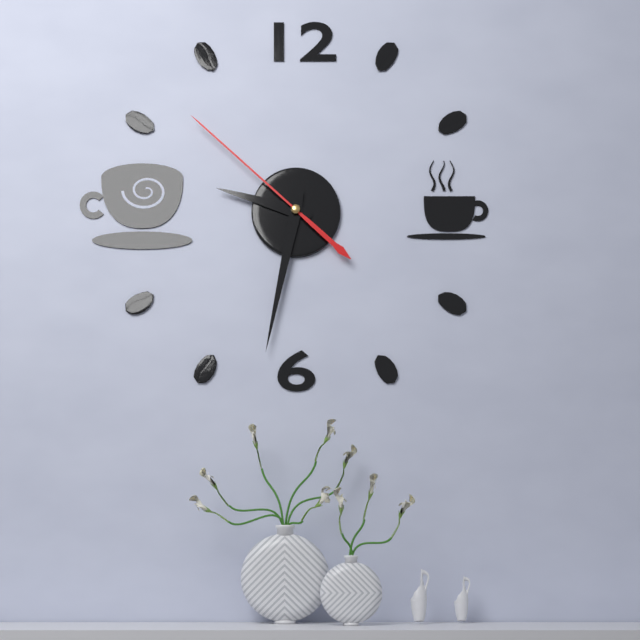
9:32:52
